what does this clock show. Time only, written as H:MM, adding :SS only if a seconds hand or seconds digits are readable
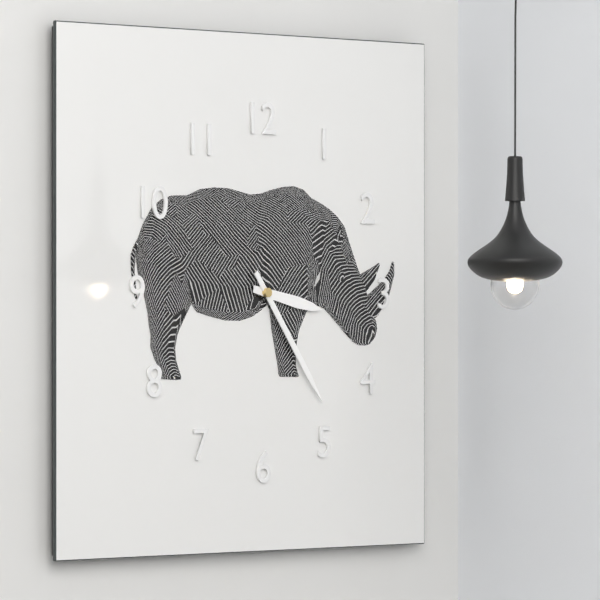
3:24
